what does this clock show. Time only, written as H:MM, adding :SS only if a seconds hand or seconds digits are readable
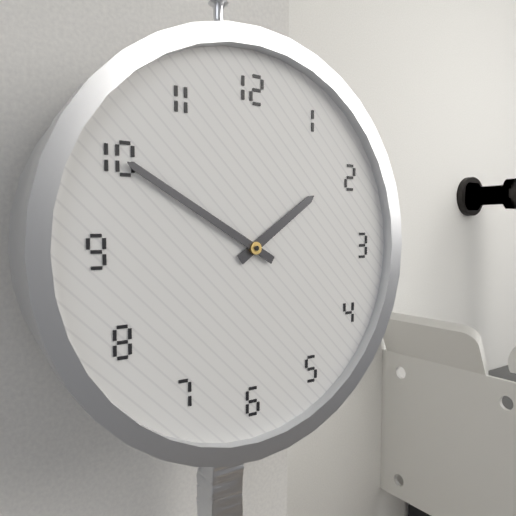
1:50
